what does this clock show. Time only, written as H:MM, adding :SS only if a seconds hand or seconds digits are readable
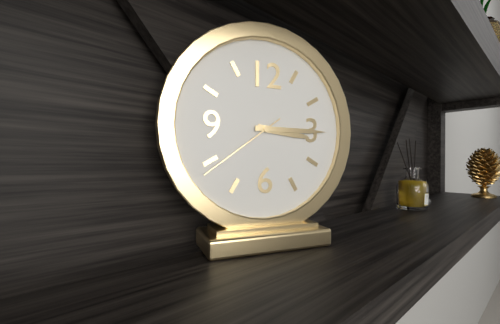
3:15:39
